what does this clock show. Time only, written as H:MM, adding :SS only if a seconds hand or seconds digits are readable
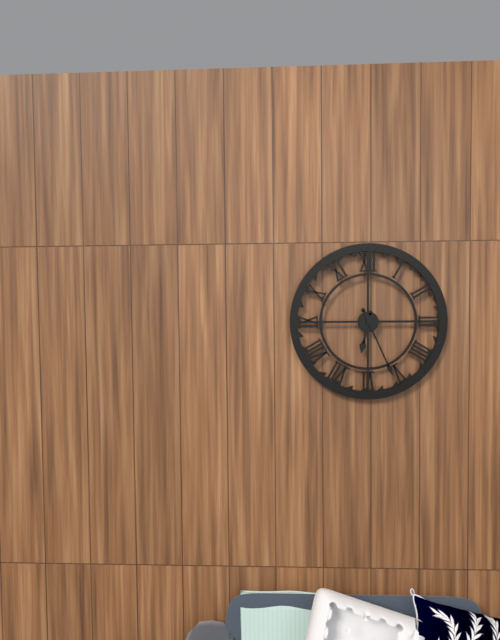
6:26
